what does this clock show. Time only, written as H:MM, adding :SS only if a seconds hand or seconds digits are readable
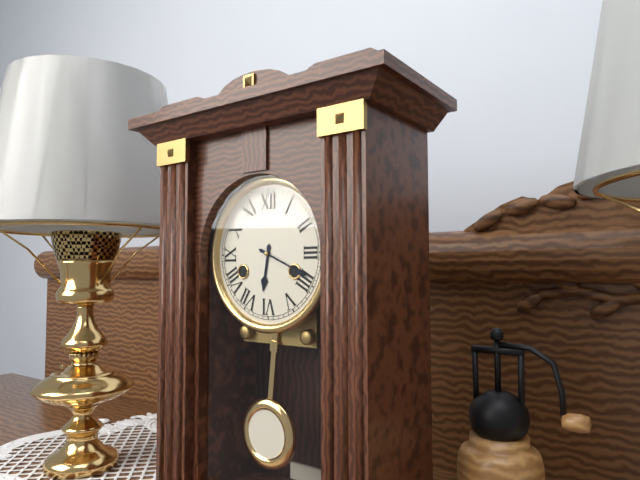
6:19
